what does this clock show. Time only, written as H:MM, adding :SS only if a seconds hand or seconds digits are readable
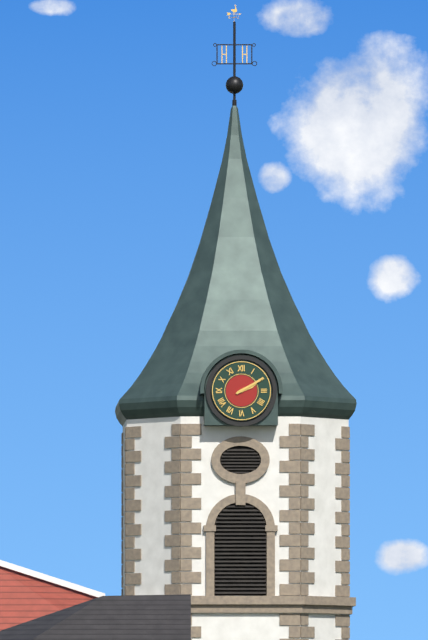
2:10
